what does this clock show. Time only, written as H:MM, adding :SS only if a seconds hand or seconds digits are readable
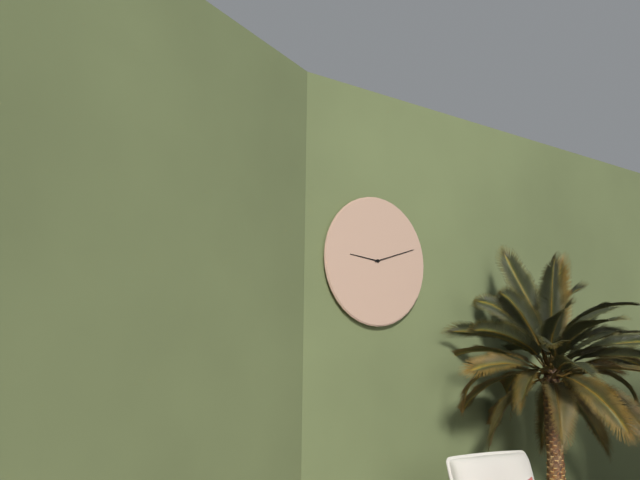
9:12
